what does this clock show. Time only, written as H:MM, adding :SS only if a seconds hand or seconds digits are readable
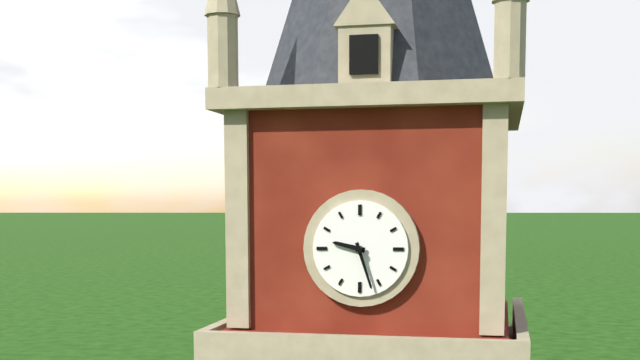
9:27
